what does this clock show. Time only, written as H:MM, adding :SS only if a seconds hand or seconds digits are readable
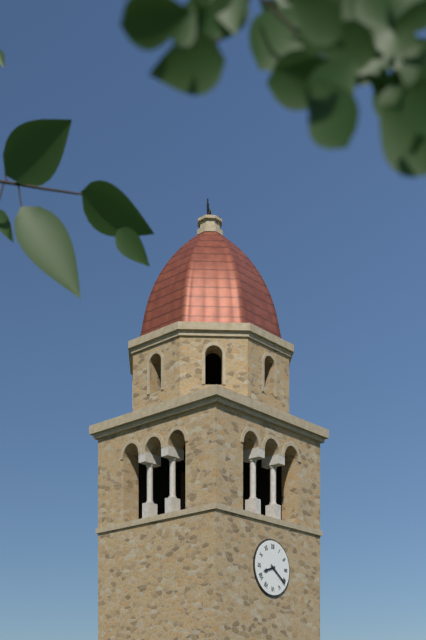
8:21
